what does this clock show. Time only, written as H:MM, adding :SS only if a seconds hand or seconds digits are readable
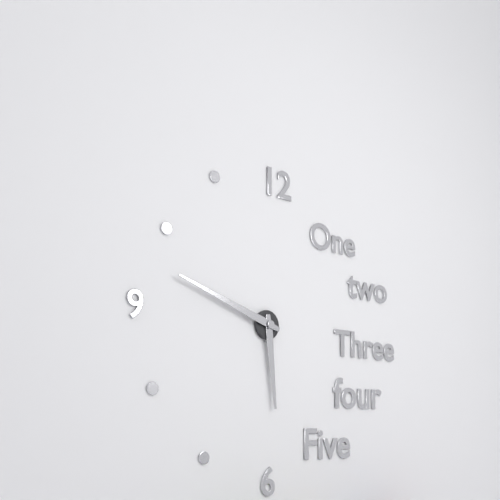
5:48
